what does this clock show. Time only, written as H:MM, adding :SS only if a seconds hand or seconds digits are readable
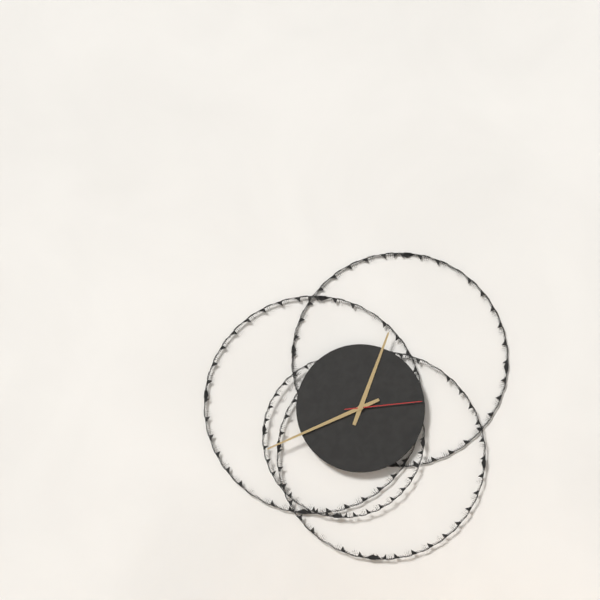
12:41:14
